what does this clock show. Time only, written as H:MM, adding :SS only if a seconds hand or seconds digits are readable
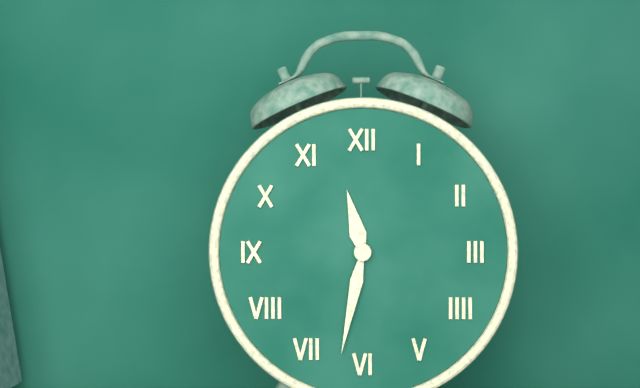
11:32
